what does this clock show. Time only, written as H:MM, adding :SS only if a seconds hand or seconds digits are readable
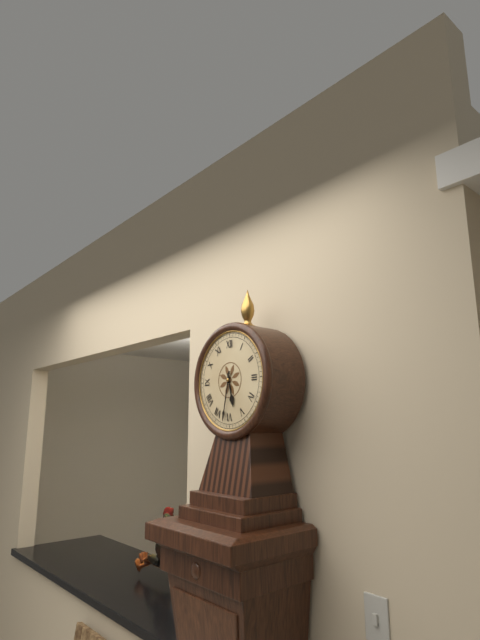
5:32
